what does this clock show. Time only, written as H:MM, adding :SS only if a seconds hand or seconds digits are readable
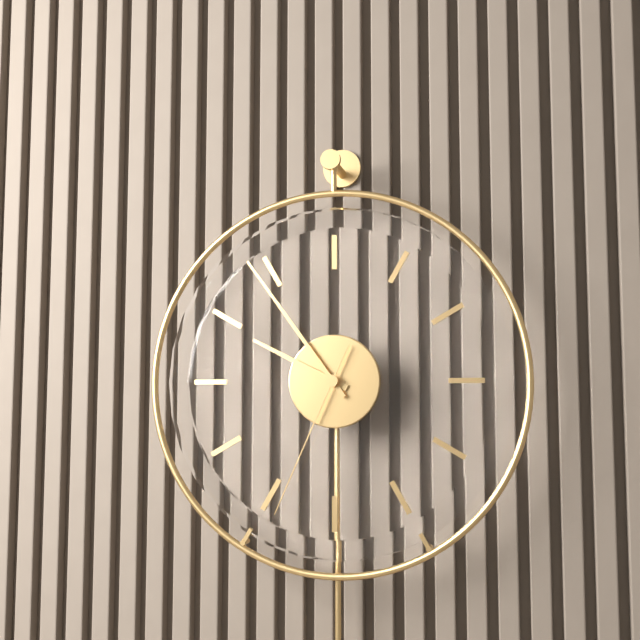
9:54:34
